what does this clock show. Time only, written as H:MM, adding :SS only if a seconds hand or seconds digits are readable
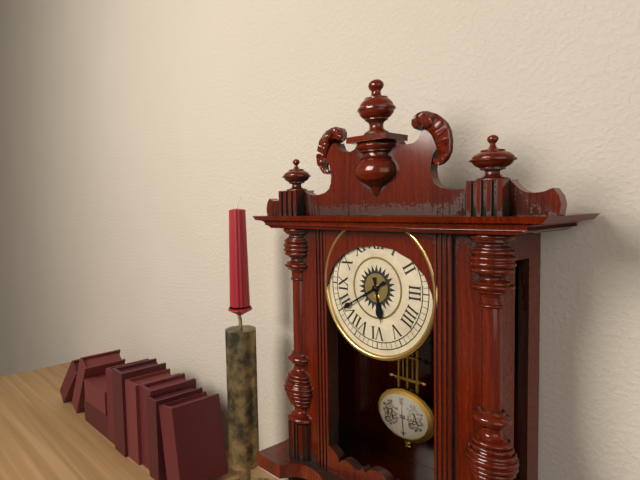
5:40
